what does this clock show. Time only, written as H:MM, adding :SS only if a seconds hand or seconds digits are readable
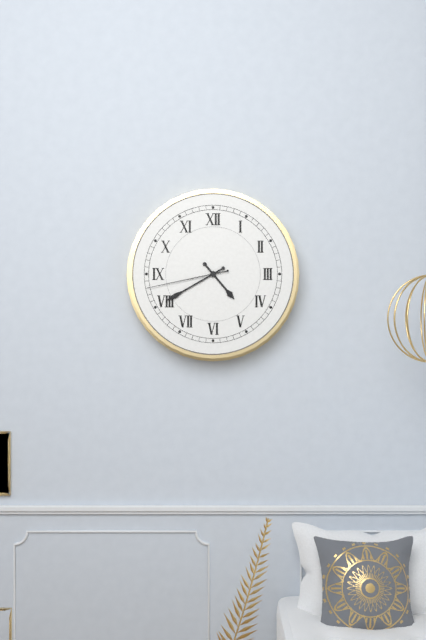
4:40:43
